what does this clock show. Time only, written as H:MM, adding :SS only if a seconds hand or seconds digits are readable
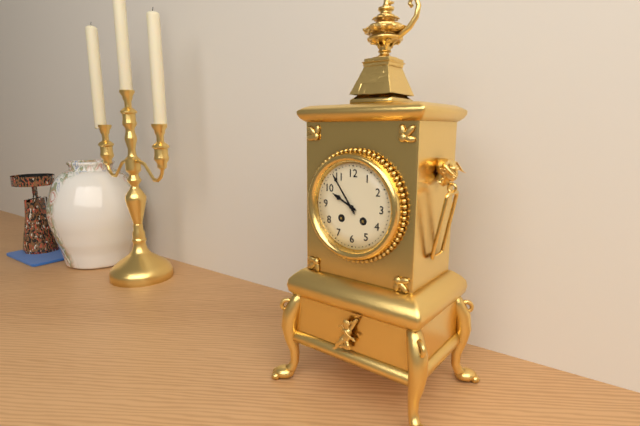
9:54
